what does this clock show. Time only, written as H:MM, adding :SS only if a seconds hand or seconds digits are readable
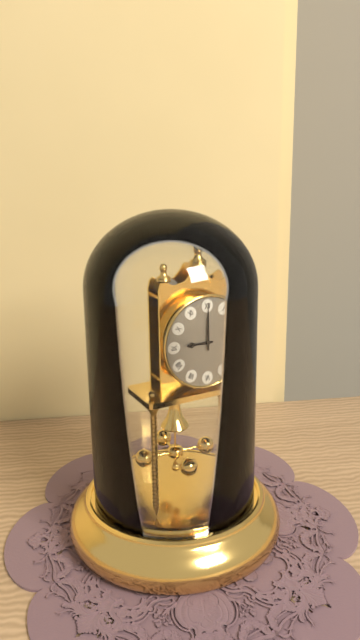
9:00
